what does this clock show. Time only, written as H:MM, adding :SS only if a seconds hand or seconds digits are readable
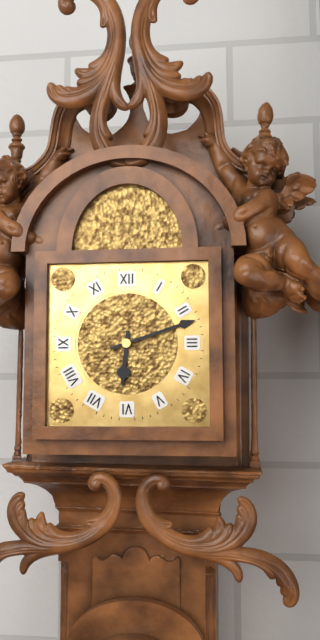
6:12
